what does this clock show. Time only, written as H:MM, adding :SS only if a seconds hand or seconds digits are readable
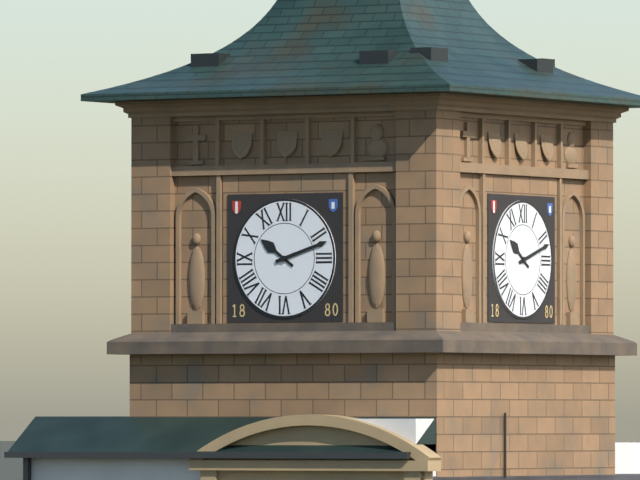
10:12
